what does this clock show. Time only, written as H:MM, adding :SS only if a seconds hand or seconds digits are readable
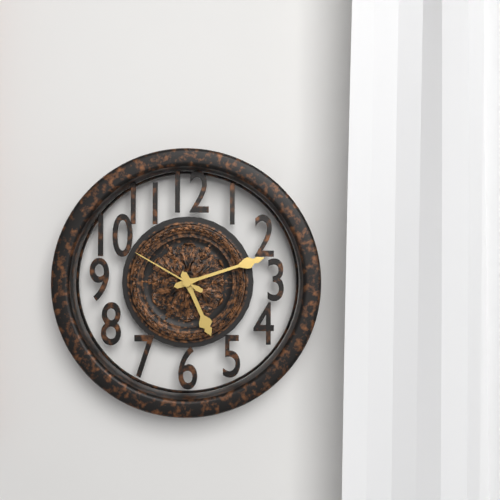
5:12:50
